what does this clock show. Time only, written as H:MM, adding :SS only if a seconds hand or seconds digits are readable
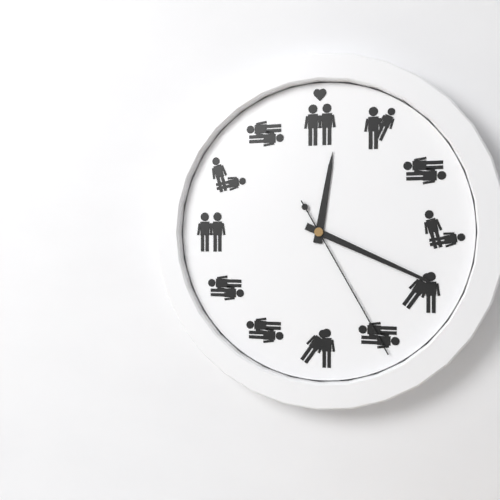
12:19:25
